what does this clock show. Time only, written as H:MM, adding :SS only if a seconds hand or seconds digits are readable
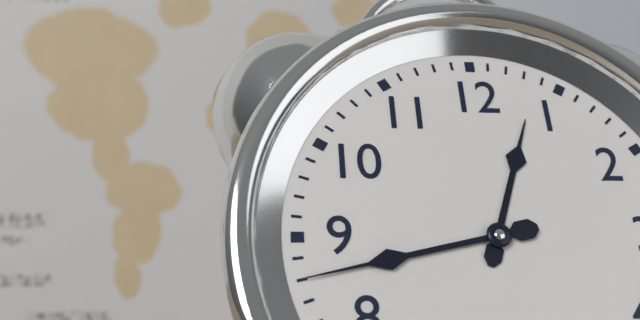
12:43
